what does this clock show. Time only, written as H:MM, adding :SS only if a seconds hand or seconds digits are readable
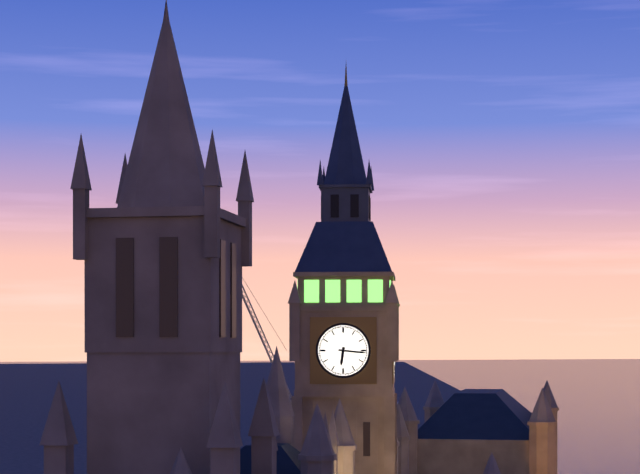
6:16
